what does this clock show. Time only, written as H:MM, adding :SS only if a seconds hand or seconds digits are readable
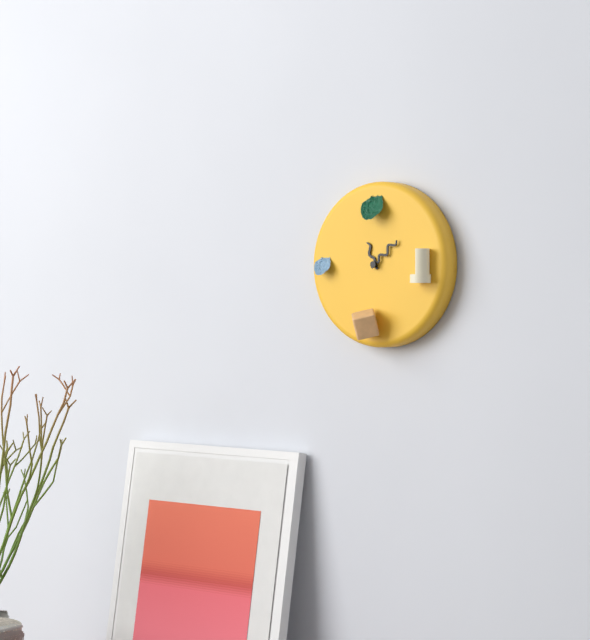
11:08
